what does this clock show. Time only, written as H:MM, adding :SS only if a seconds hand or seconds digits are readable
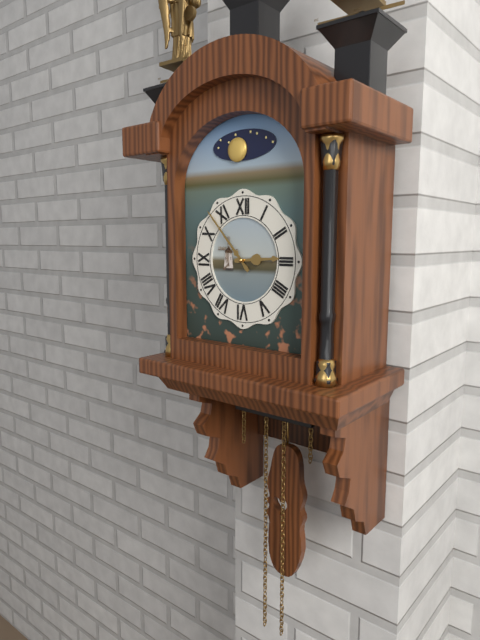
2:53
